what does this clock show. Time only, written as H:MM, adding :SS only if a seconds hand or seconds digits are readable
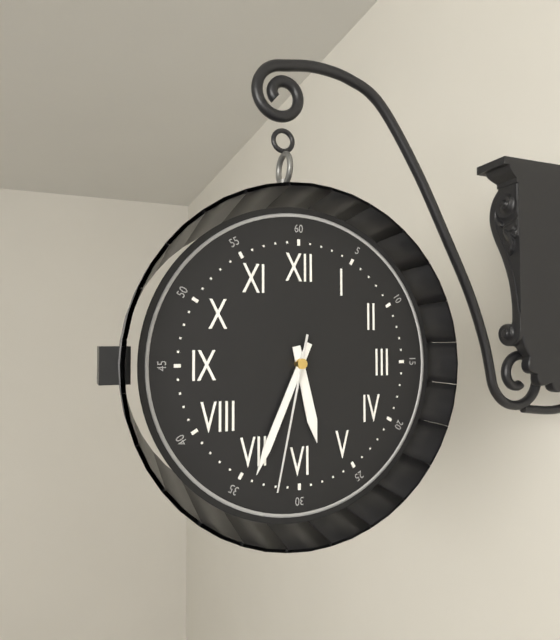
5:34:32
